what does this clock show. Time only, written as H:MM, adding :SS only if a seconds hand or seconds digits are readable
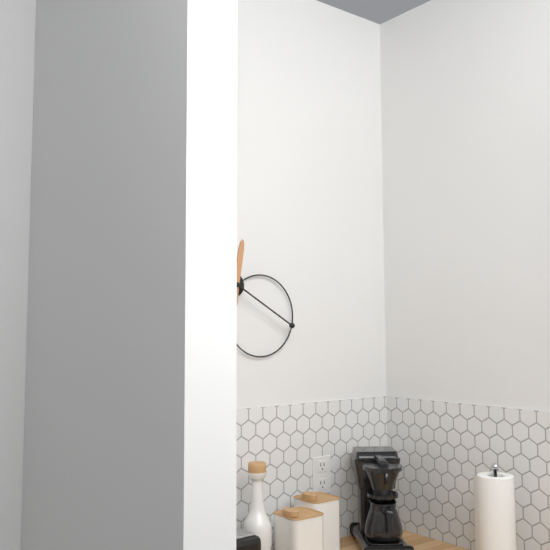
12:20
